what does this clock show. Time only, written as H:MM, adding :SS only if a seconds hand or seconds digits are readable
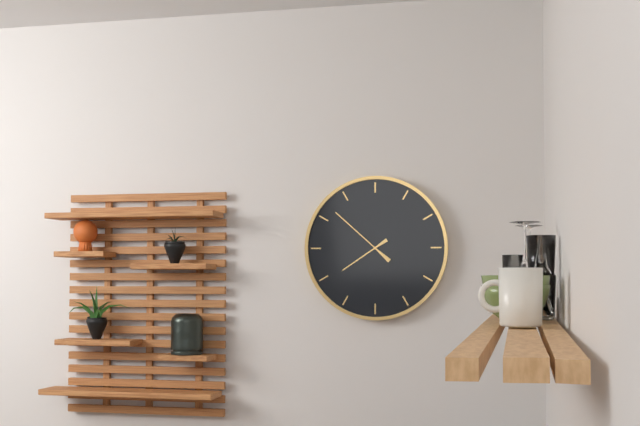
7:52
